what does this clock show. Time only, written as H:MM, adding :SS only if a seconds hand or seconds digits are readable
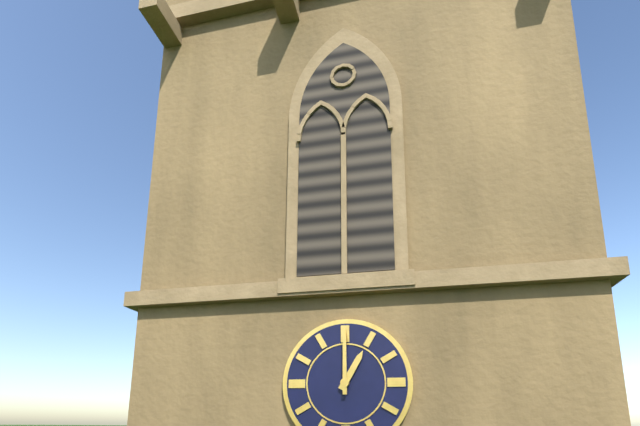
1:00
